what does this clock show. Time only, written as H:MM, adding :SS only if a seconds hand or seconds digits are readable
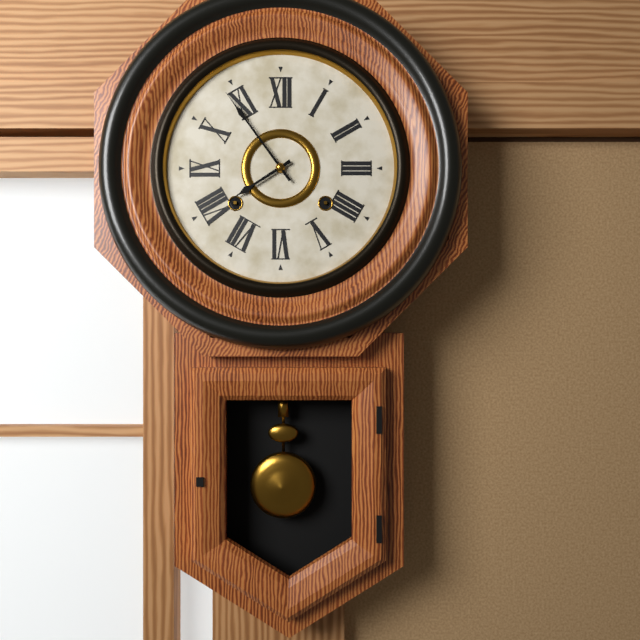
7:54
